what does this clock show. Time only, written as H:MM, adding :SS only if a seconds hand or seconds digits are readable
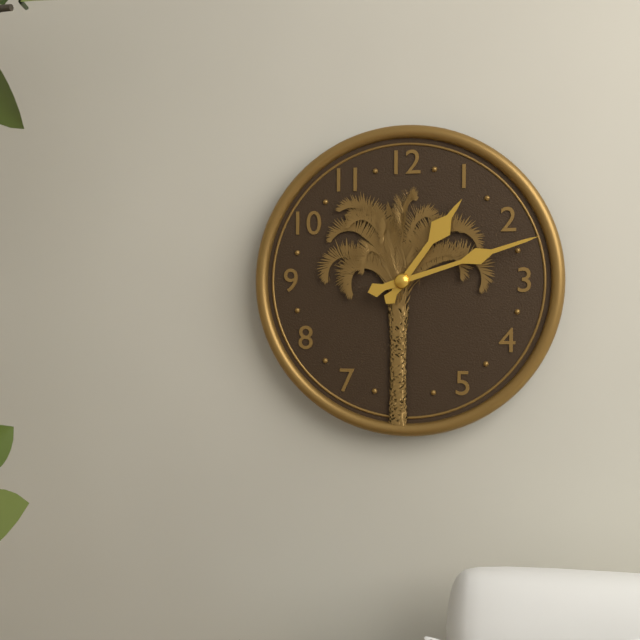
1:12
